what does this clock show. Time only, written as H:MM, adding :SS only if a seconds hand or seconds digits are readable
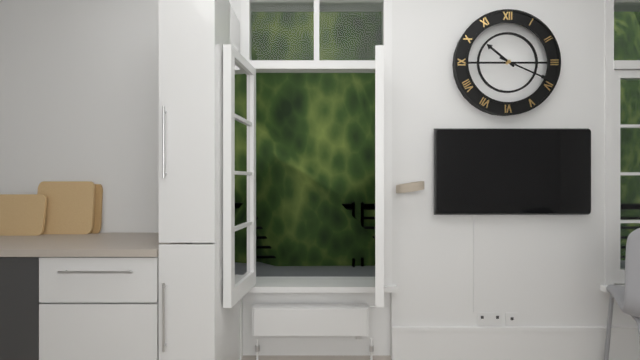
10:19
